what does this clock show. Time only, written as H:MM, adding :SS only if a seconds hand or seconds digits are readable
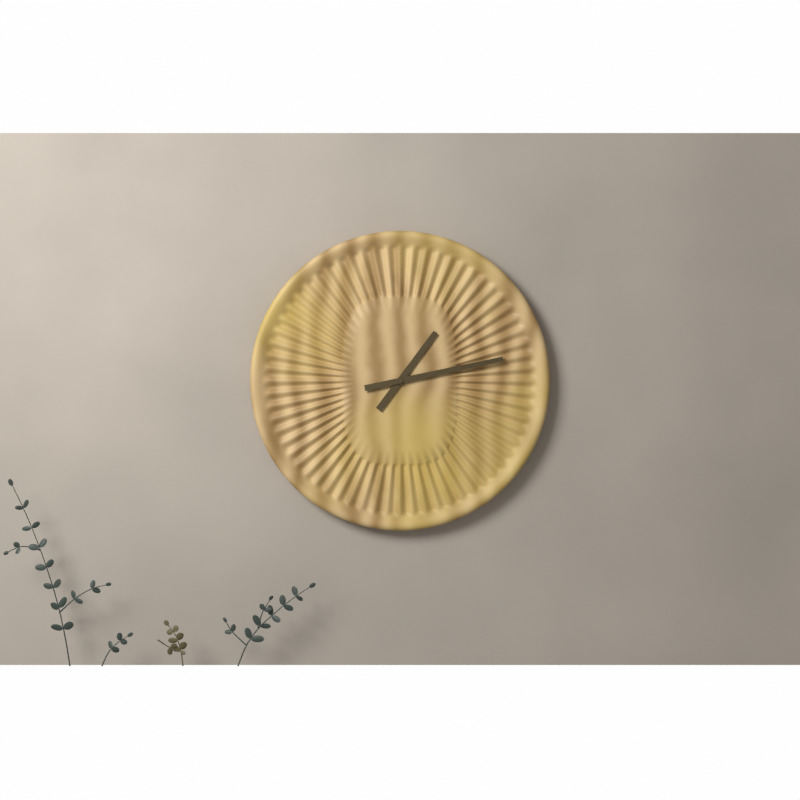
1:13
